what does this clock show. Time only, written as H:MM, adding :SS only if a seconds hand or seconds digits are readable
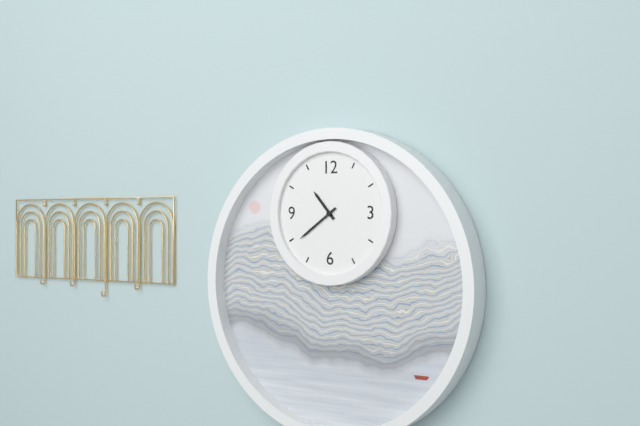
10:39
